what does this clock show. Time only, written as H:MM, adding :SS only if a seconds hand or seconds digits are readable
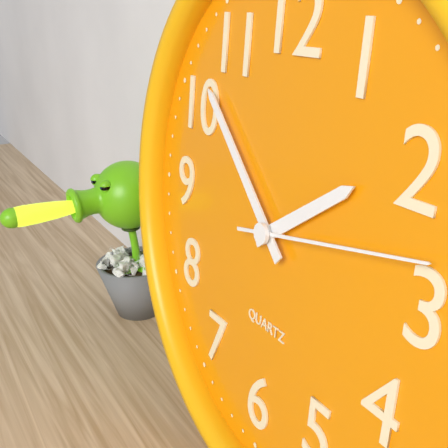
1:52:13
